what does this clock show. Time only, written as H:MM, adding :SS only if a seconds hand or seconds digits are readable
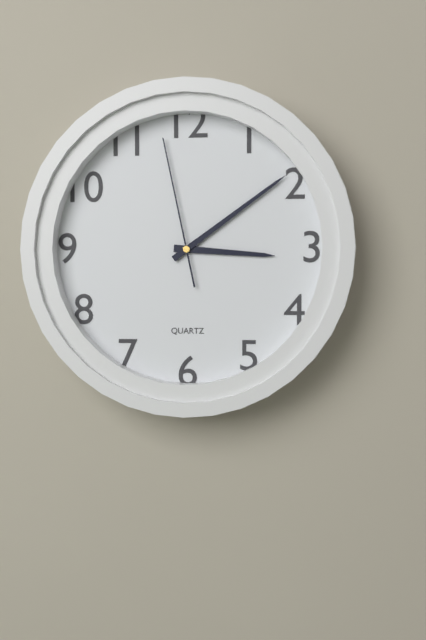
3:09:58
